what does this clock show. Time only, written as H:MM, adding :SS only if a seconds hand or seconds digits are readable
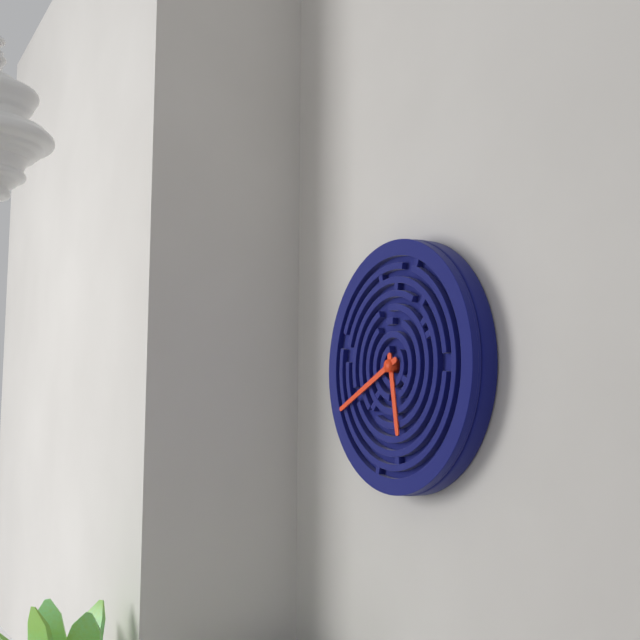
5:41
